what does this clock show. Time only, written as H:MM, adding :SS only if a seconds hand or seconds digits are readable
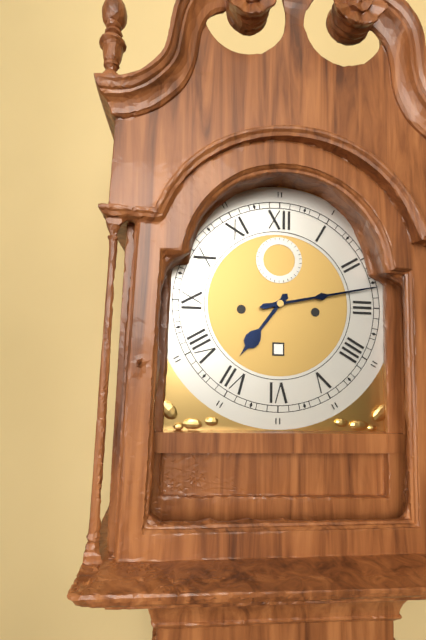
7:13
